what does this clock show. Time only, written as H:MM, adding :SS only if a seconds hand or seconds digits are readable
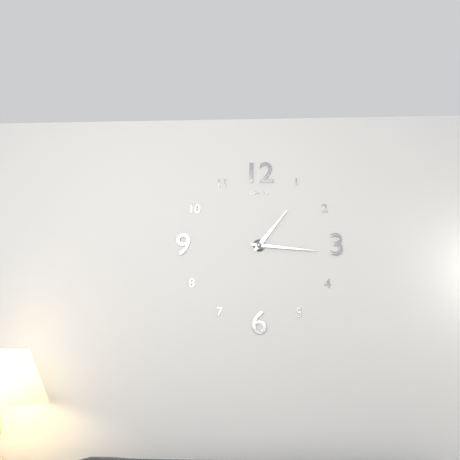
1:16
